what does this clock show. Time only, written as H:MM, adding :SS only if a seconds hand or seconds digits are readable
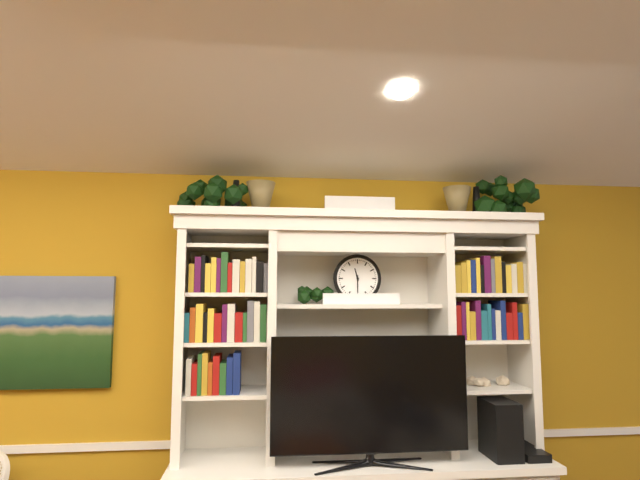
11:30
